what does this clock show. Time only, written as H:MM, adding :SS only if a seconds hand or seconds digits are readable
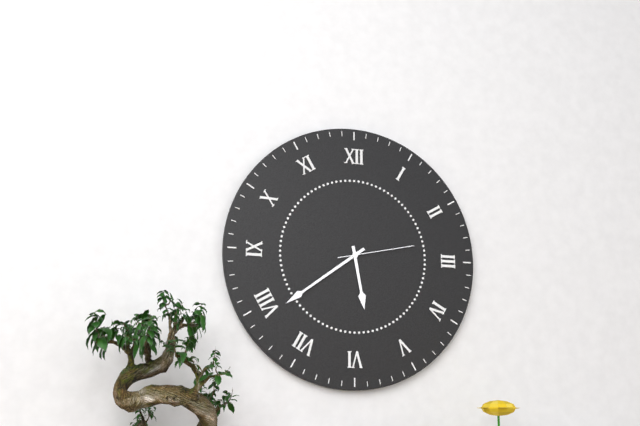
5:39:13
